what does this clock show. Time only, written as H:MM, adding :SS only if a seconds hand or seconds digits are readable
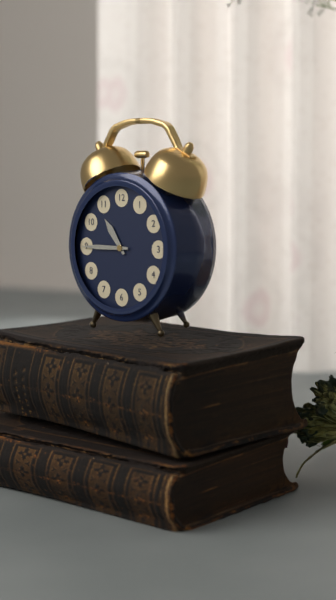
10:45
